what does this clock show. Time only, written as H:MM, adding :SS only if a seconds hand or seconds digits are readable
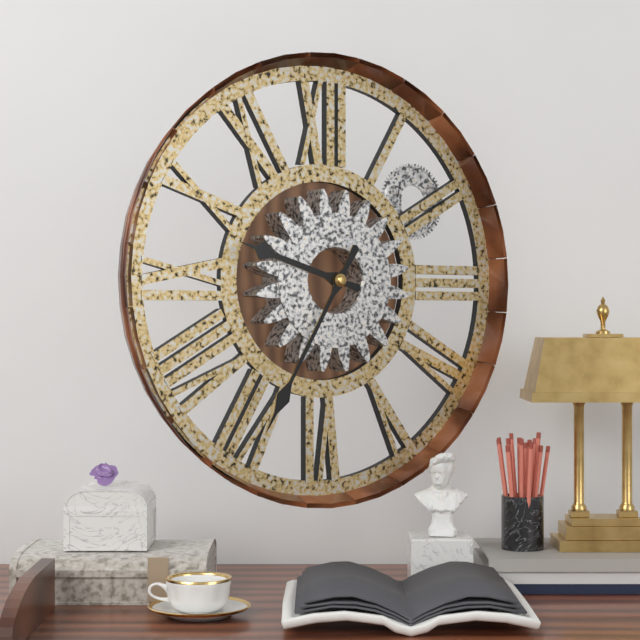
9:35
